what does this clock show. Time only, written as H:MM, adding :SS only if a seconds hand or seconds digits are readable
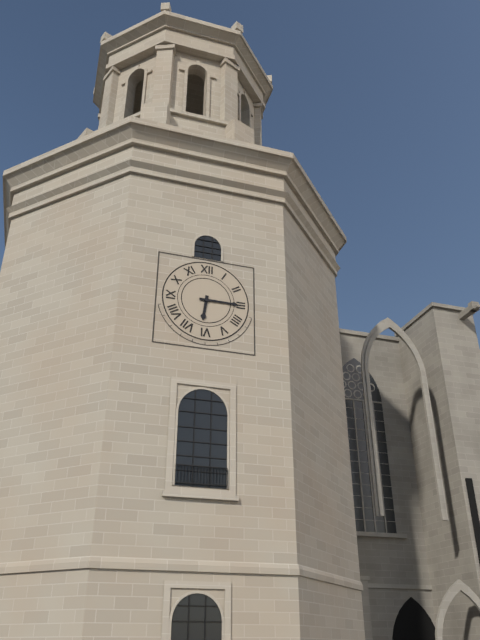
6:15
